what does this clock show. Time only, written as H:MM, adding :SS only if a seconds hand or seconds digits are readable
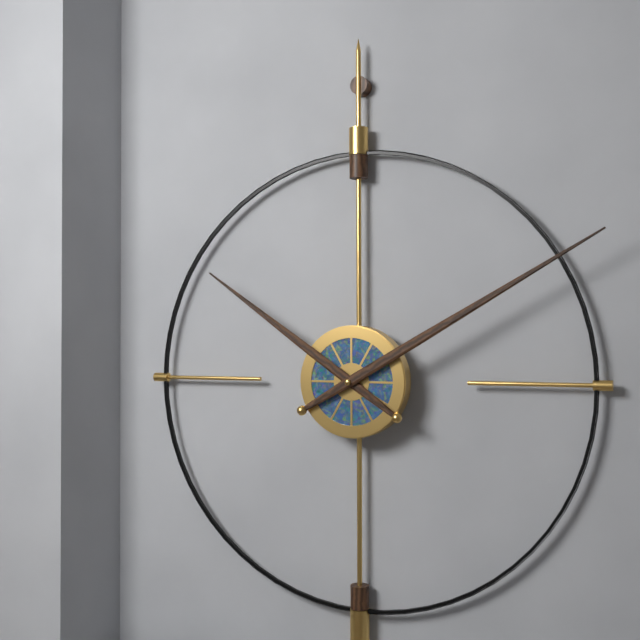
10:10
